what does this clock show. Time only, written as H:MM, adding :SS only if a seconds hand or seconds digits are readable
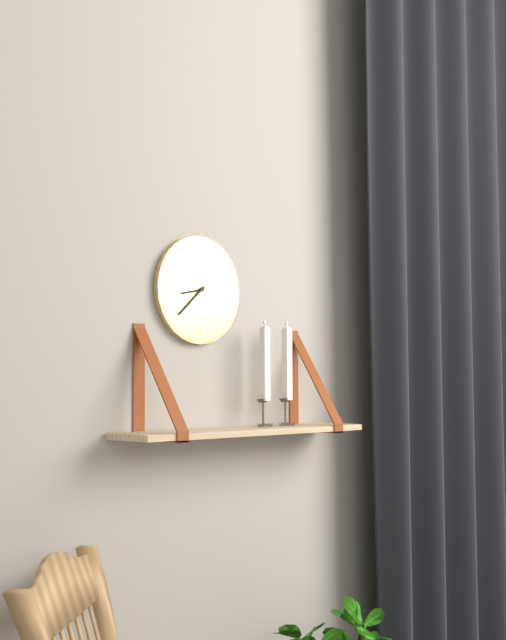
8:38
